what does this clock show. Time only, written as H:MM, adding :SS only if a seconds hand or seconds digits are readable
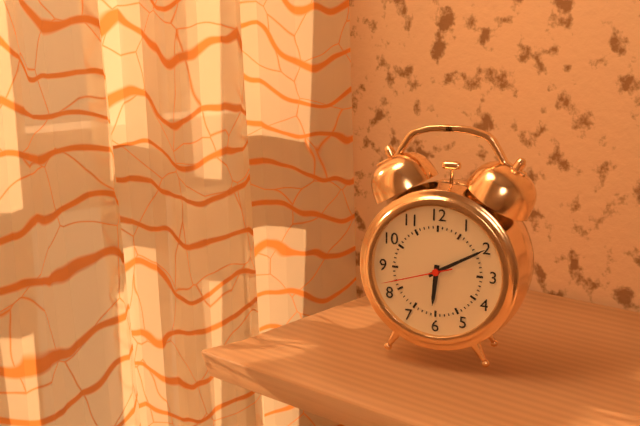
6:10:42
